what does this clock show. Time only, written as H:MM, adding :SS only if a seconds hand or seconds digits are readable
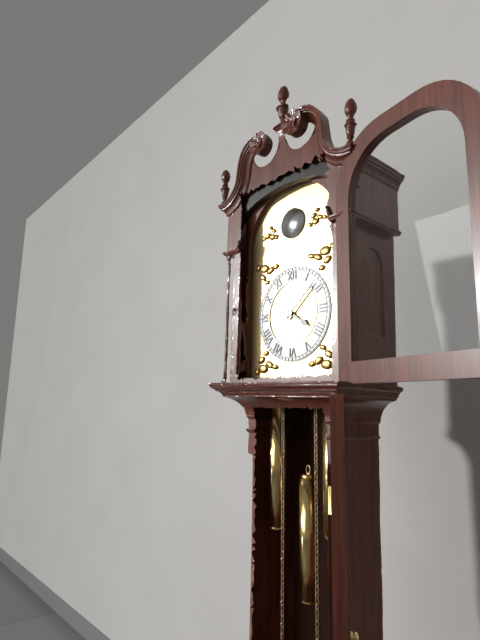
4:08
